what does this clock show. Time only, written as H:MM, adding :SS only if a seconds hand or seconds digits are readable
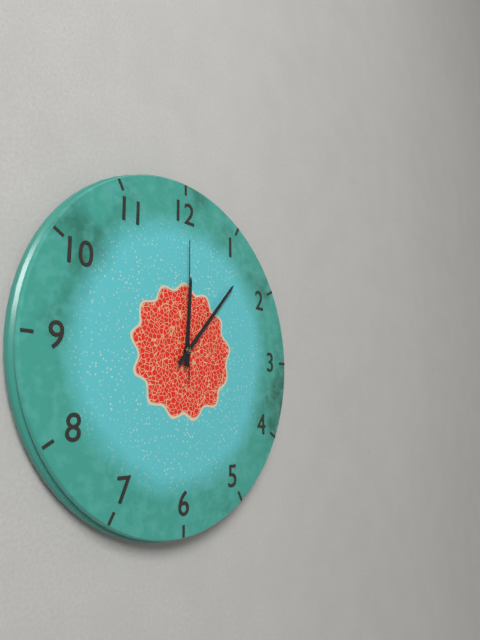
12:07:00
